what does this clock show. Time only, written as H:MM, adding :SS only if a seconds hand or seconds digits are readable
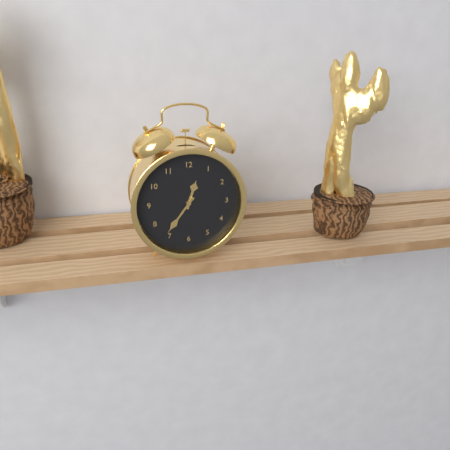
12:36
